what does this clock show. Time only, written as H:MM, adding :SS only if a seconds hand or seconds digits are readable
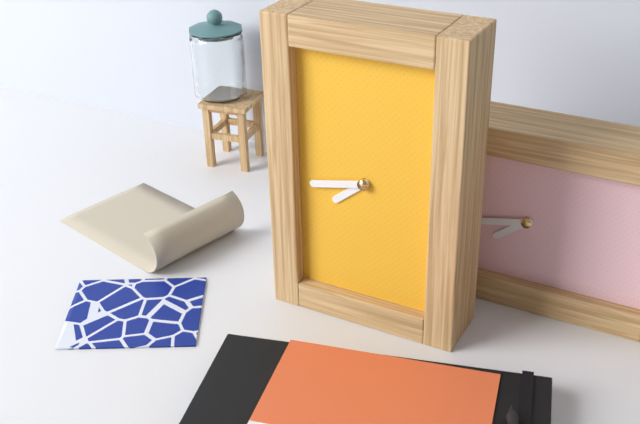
7:43
